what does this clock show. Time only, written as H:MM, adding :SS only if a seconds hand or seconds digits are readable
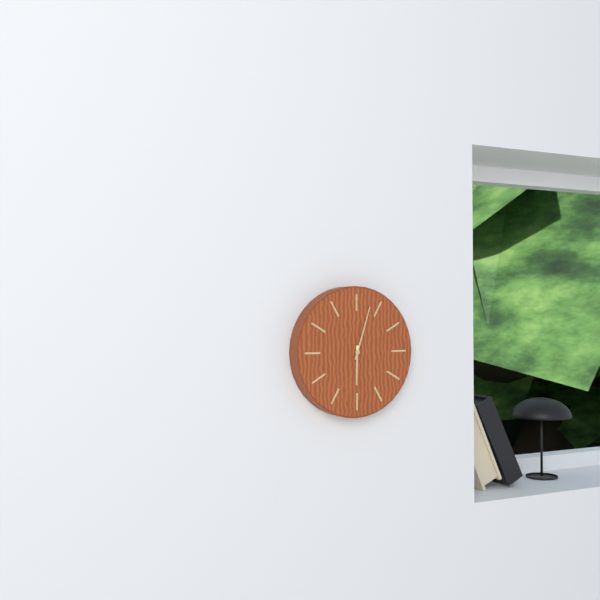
6:03
